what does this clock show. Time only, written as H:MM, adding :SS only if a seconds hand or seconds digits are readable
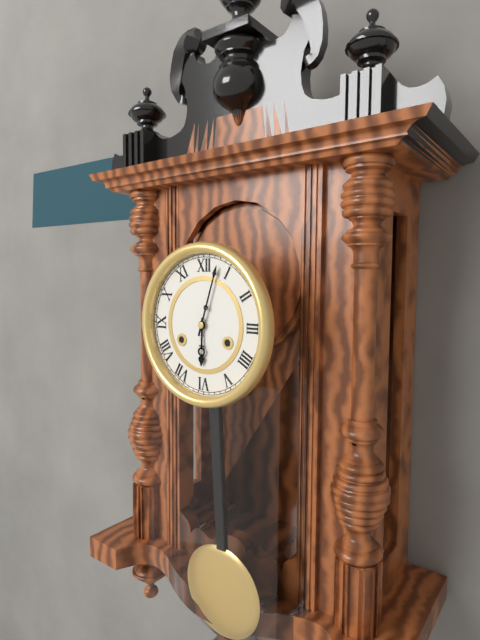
6:03
